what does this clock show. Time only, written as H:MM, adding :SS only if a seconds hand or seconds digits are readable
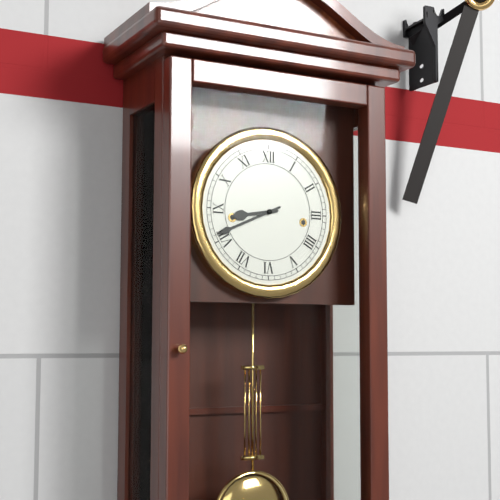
8:41
